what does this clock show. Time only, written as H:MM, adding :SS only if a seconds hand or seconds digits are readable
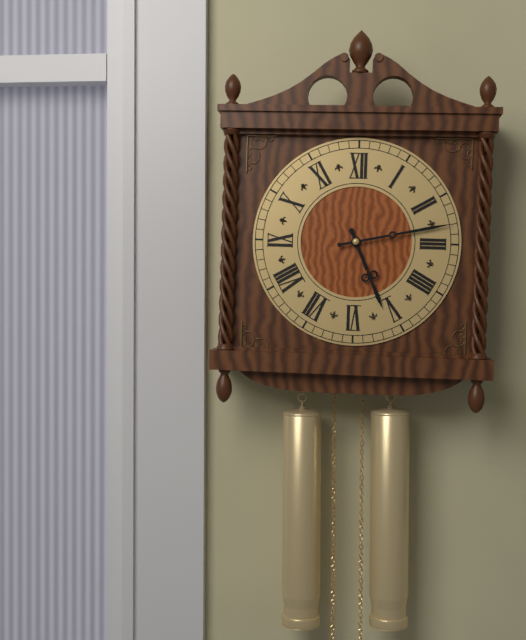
5:13
